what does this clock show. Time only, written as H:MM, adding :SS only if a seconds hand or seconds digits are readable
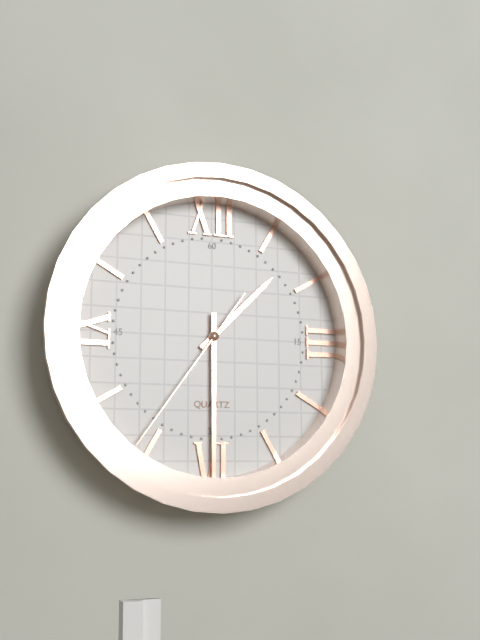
1:30:36
